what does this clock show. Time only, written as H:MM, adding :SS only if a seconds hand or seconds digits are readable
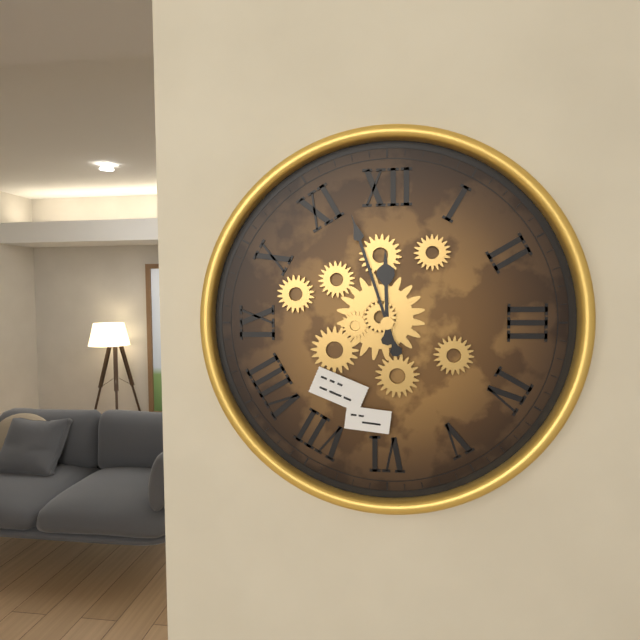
11:57
